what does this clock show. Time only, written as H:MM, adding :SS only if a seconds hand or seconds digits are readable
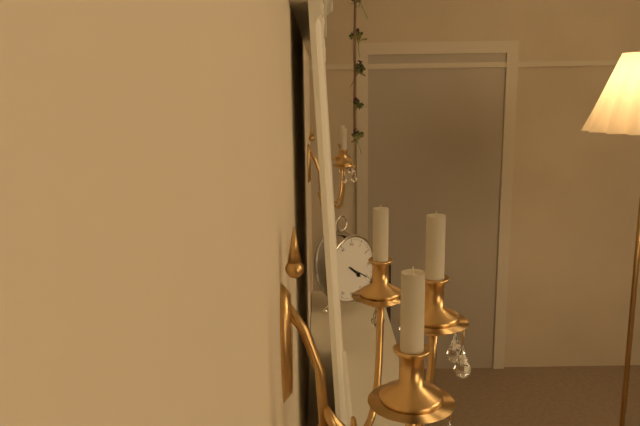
4:20
